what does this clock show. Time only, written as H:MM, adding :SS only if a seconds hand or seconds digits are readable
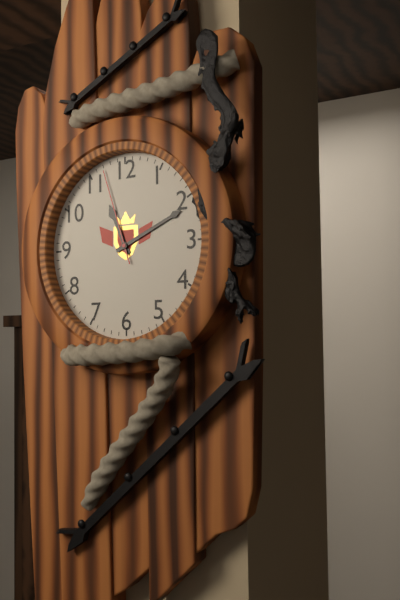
11:11:57
